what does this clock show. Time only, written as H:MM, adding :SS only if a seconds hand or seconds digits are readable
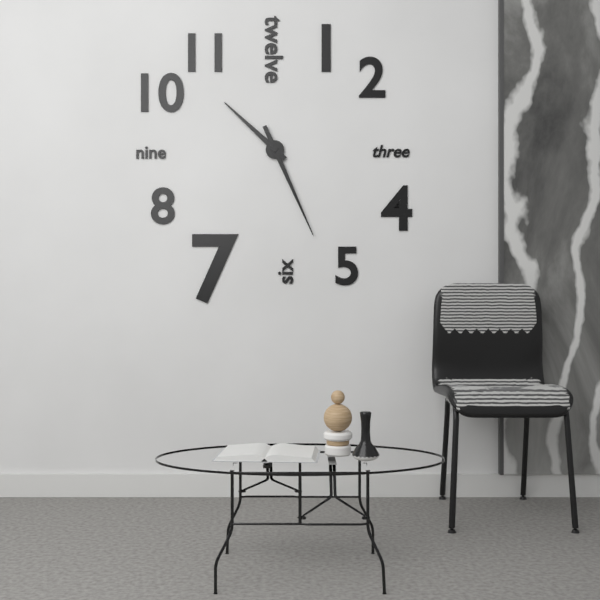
10:26
